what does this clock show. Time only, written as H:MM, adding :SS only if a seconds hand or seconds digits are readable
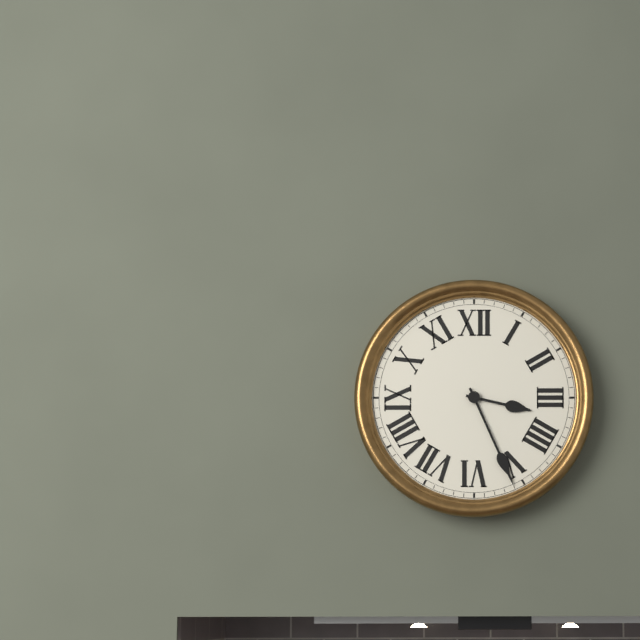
3:26
